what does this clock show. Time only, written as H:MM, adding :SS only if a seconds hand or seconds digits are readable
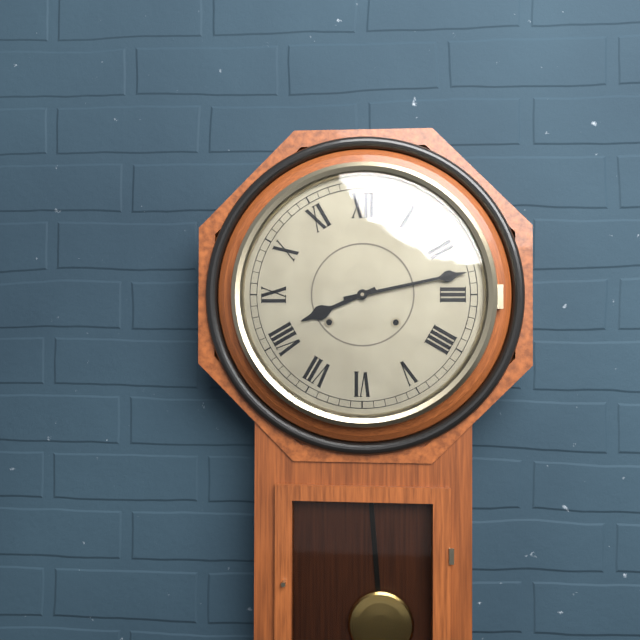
8:13
